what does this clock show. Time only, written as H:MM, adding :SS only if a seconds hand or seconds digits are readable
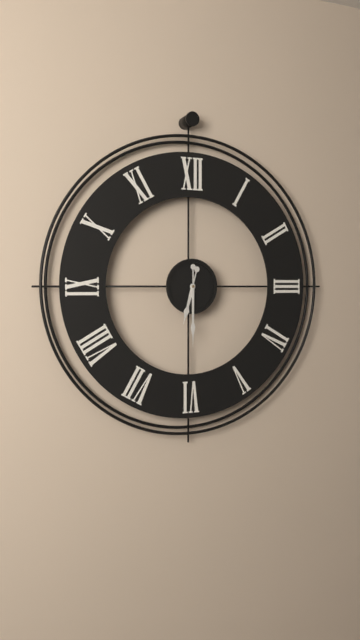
6:30
